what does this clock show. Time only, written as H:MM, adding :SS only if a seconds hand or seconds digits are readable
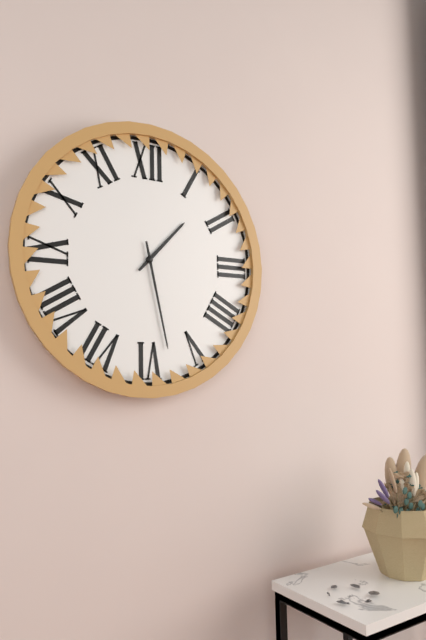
1:28
